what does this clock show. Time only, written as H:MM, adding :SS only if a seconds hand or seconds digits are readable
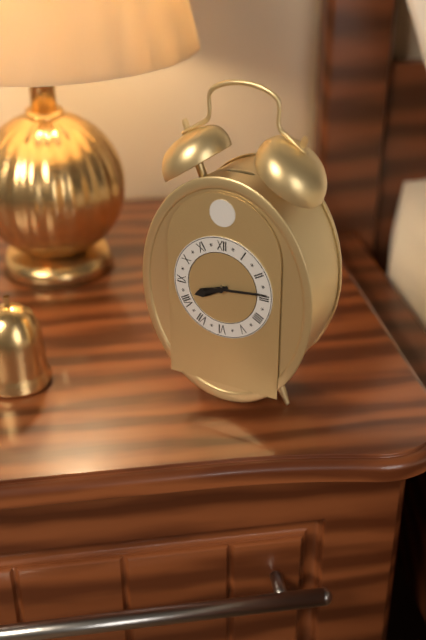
8:14
